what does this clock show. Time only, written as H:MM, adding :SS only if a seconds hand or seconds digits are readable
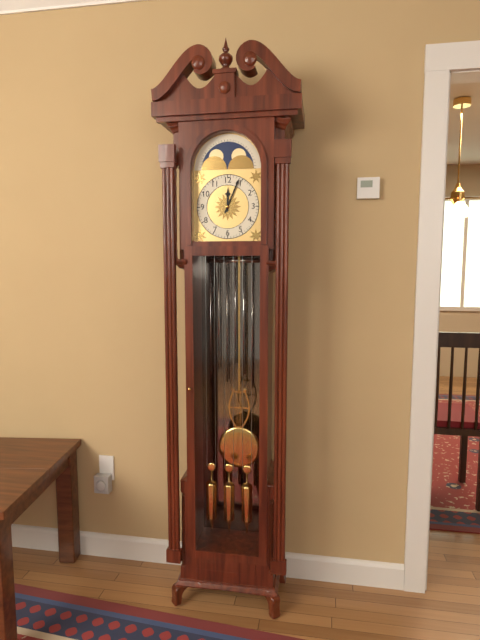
12:04
